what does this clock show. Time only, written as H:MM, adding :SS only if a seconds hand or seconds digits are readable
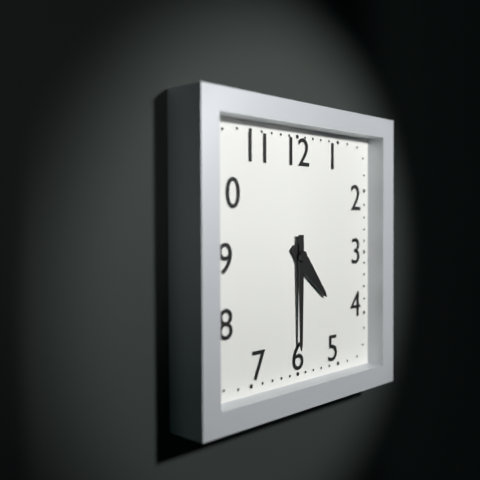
4:30
